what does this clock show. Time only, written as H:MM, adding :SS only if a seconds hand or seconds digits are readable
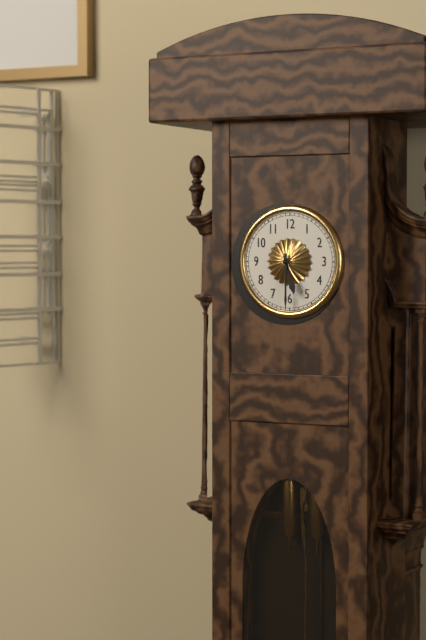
5:30
